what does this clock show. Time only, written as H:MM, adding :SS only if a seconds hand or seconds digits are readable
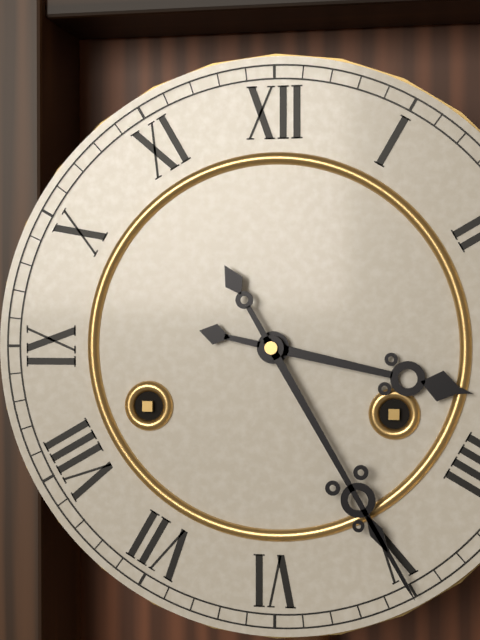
3:25
